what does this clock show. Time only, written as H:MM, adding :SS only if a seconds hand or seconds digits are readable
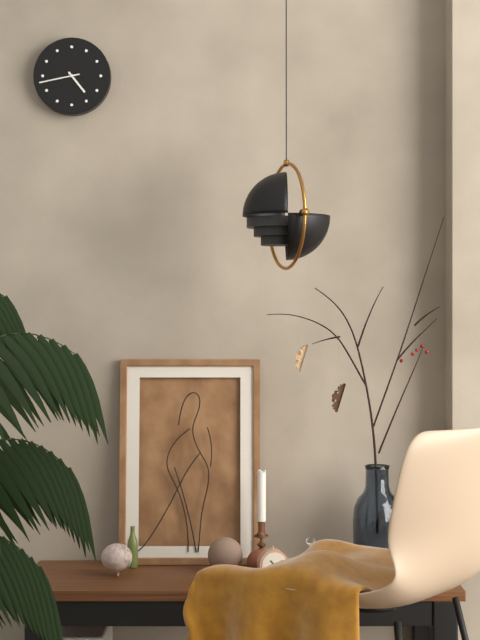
4:43
